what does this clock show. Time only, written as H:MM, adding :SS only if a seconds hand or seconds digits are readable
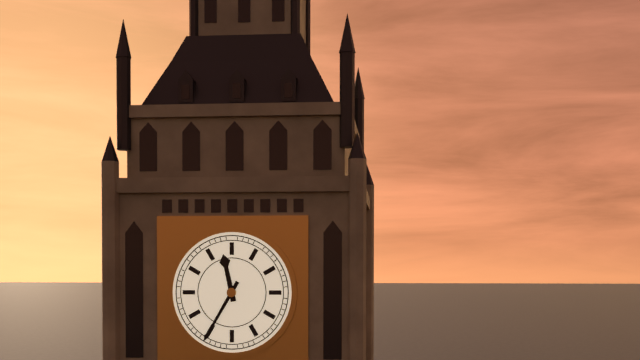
11:35
